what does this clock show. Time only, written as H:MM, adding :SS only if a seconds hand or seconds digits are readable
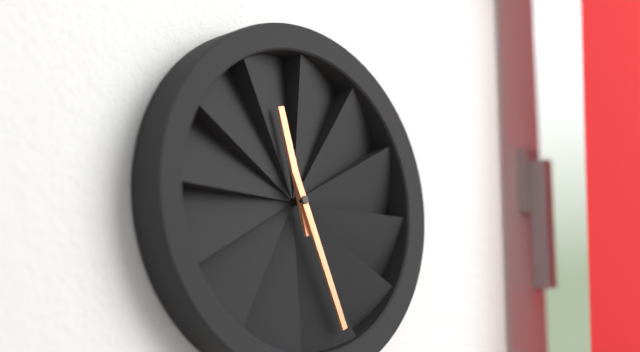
11:26
